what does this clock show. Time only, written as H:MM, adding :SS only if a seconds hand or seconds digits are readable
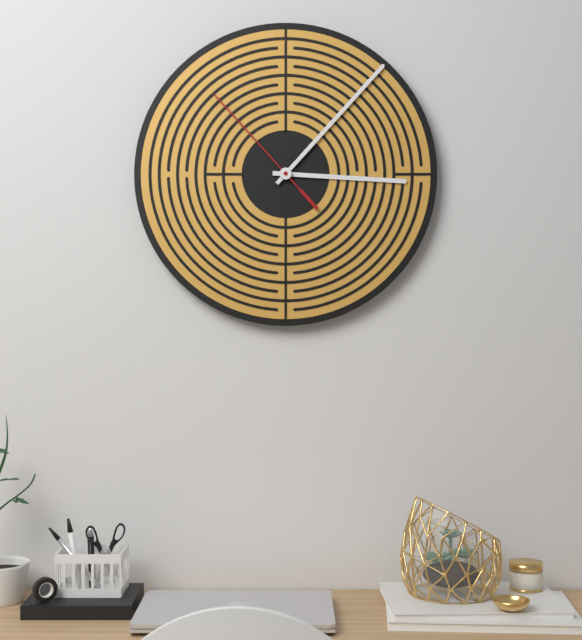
3:07:53
